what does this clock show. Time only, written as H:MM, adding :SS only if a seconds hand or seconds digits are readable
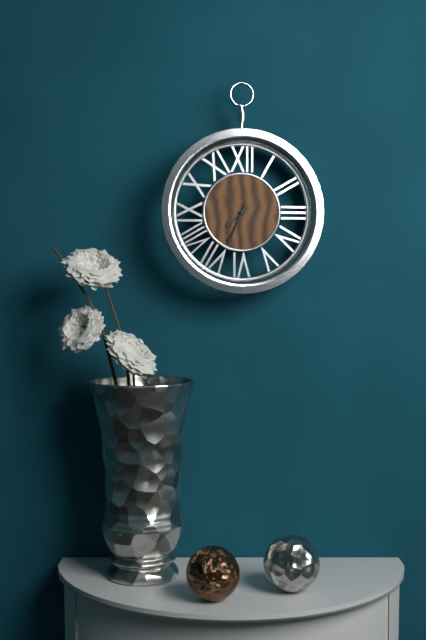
7:34
